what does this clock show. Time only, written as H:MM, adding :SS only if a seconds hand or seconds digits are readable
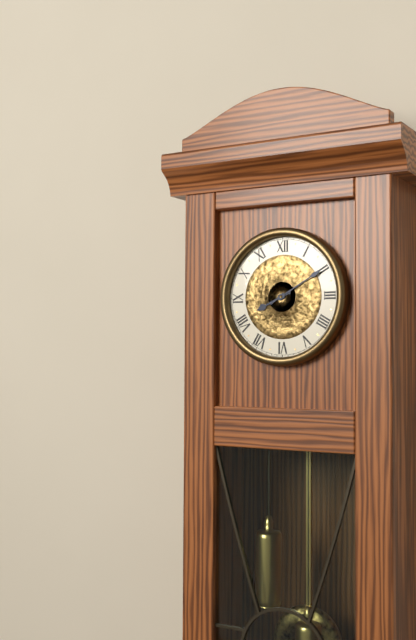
8:10
